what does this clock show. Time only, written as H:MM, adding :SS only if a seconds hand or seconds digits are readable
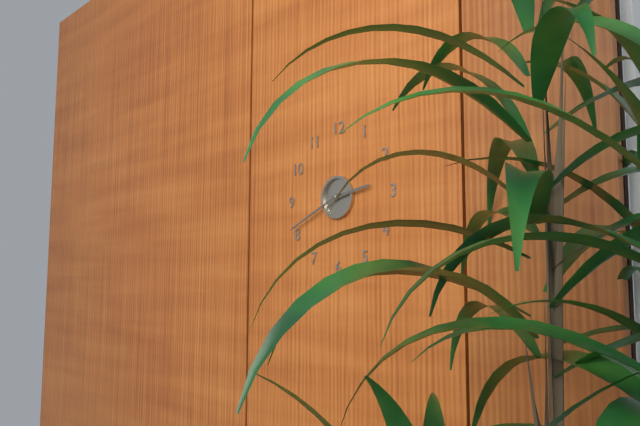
2:41
